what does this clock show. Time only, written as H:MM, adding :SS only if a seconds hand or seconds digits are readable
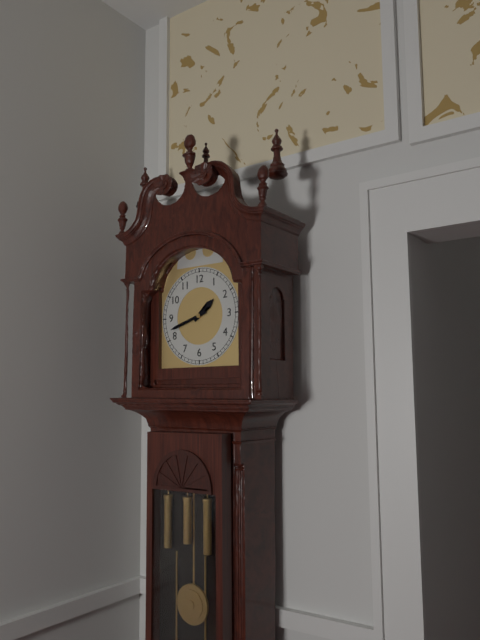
1:42
